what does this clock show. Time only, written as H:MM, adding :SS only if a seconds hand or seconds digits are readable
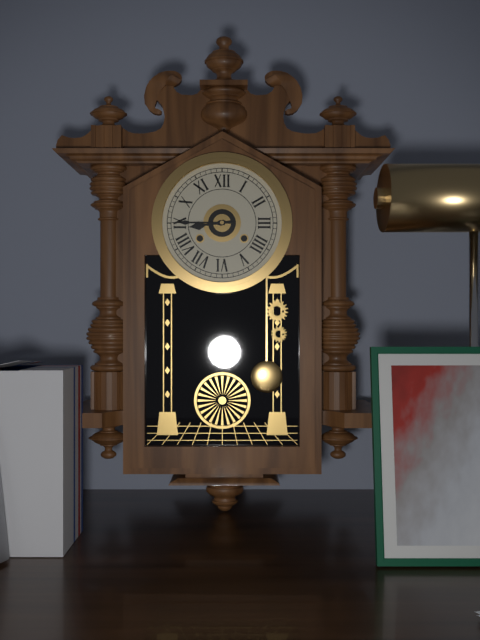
8:45
